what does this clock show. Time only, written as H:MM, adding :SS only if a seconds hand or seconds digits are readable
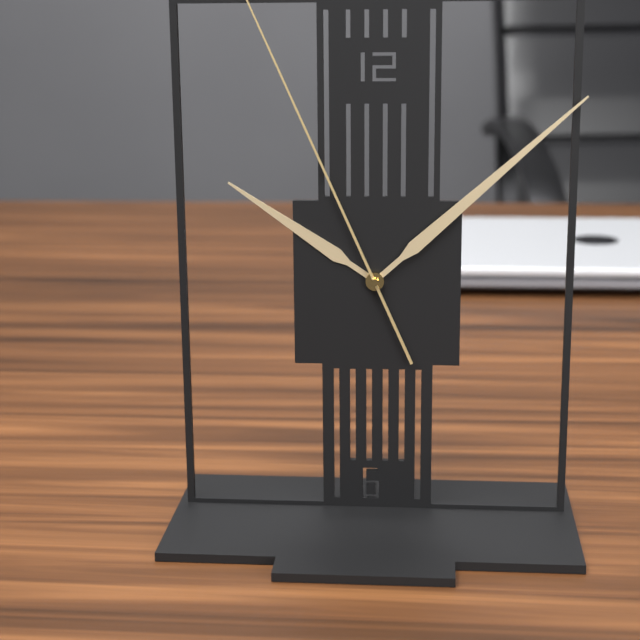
10:08
